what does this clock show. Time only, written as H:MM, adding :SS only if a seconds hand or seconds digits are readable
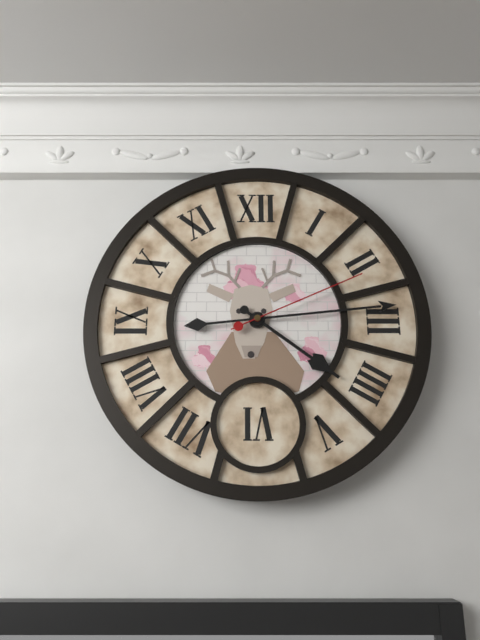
4:14:11
